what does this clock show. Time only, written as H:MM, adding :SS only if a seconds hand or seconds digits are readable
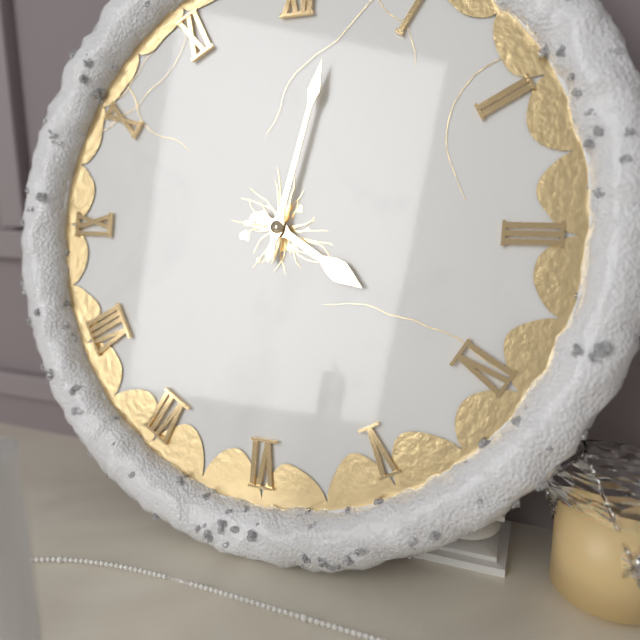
4:02
